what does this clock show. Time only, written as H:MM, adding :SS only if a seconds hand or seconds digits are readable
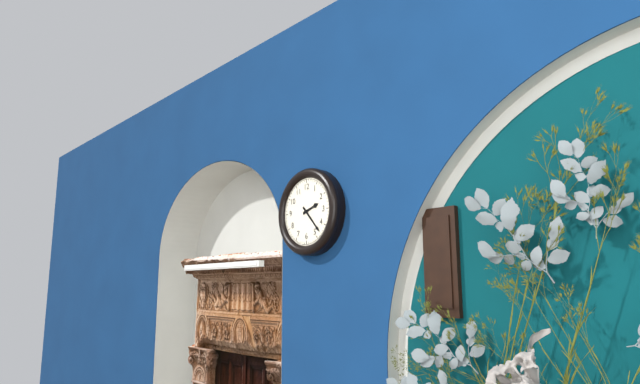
2:23
